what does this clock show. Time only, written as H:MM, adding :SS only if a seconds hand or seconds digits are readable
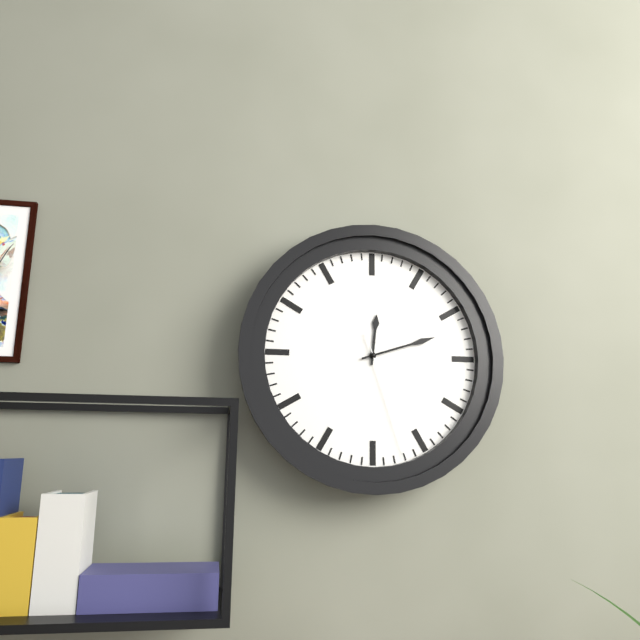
12:12:27
